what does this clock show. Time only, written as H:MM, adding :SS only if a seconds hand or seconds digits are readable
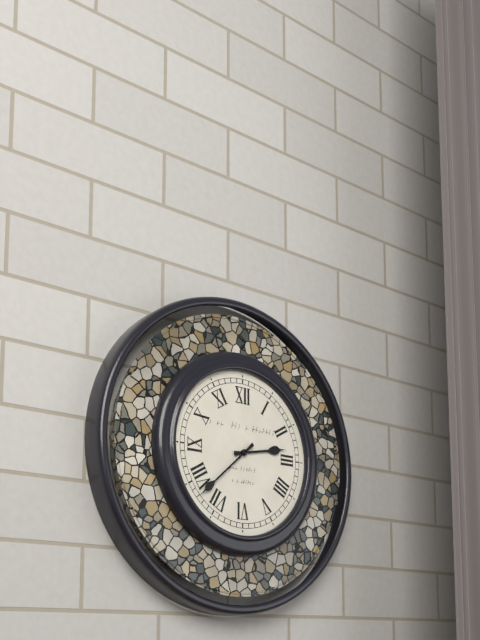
2:38
